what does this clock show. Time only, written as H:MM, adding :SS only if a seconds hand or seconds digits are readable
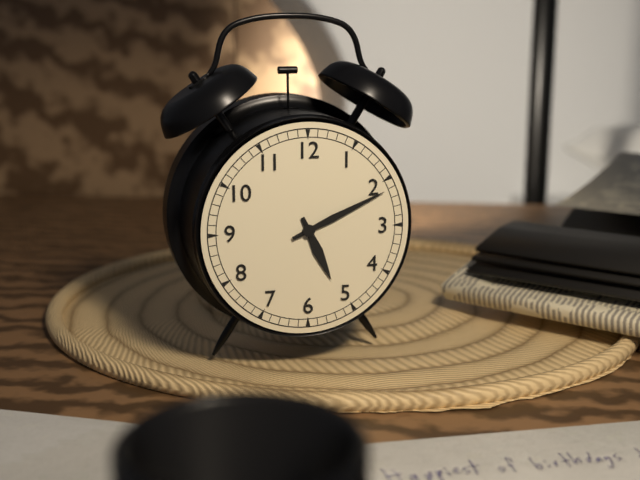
5:11
